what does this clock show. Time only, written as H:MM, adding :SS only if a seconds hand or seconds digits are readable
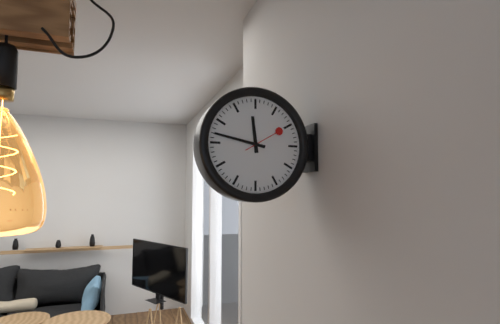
11:47
